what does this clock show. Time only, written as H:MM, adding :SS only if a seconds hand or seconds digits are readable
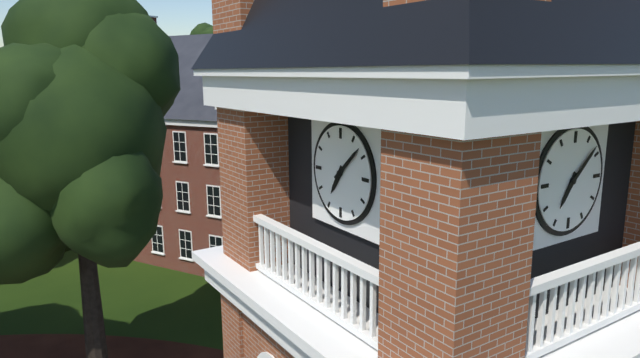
7:08
